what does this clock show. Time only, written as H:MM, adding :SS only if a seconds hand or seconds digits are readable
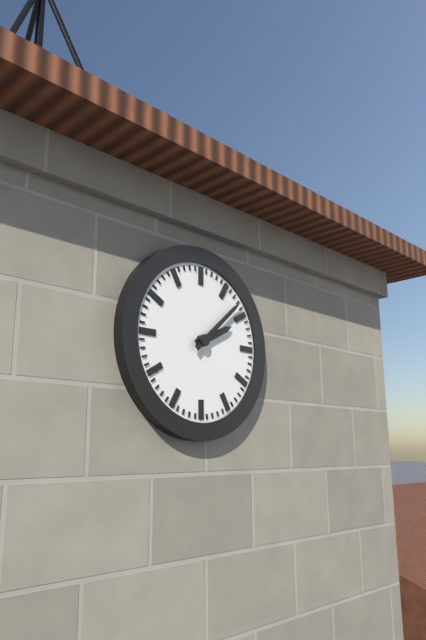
2:08
